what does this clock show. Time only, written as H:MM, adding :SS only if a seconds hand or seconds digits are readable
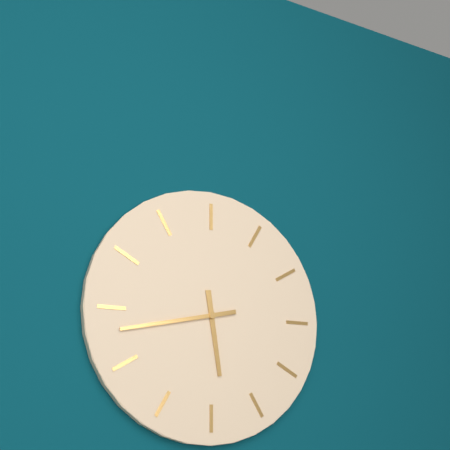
5:43
